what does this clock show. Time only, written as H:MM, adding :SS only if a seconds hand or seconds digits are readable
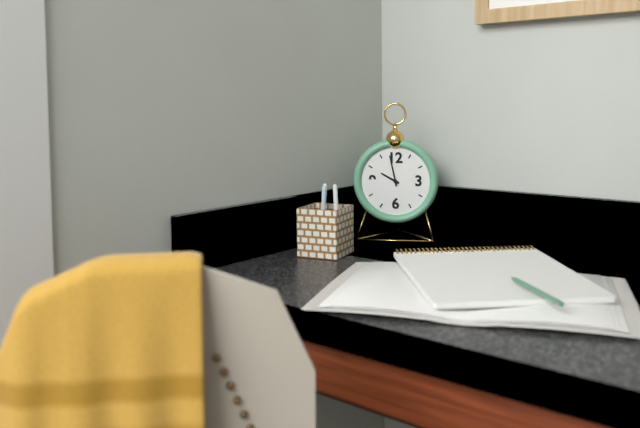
9:58
